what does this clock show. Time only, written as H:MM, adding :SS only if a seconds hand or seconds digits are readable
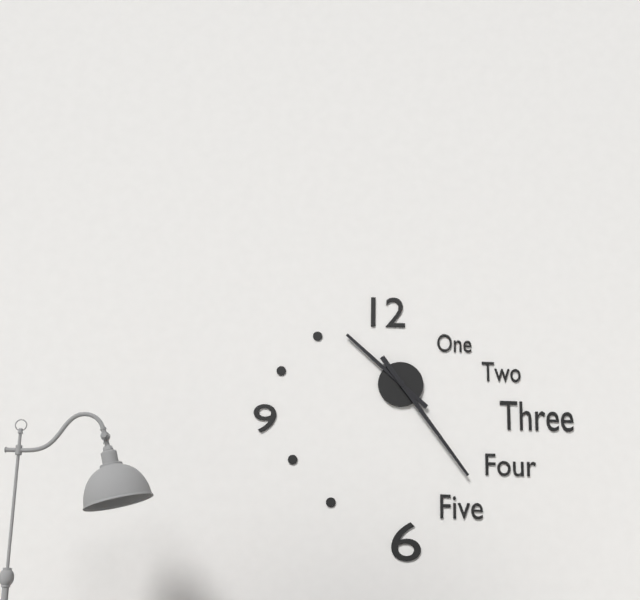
10:24
